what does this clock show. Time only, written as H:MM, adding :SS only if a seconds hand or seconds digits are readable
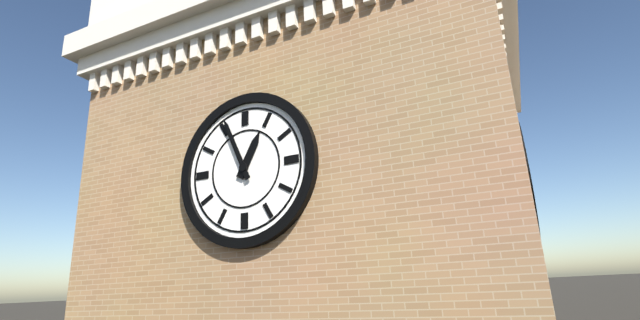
12:56
